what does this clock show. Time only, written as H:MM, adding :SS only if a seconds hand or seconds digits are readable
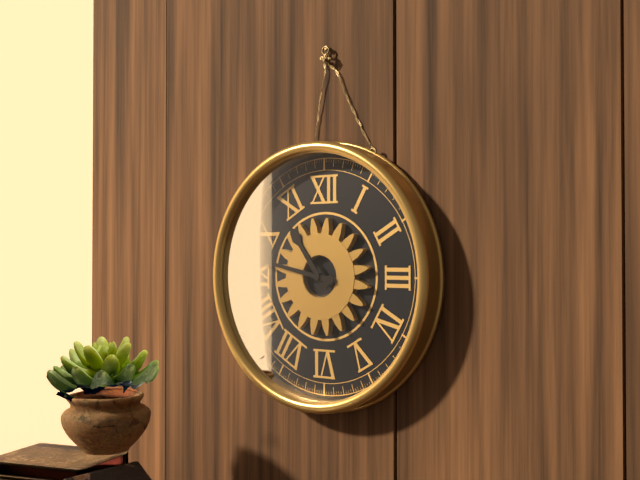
10:47
